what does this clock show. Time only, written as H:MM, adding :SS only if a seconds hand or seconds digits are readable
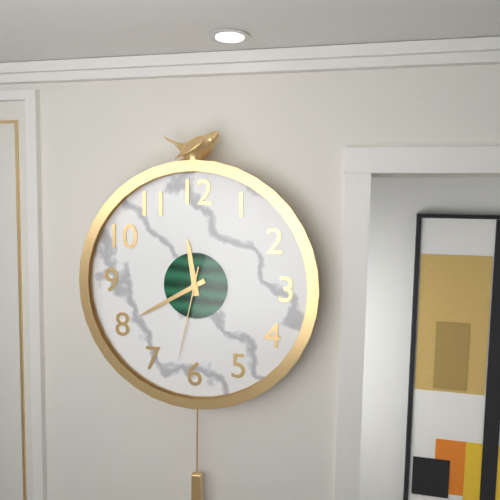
11:40:32
